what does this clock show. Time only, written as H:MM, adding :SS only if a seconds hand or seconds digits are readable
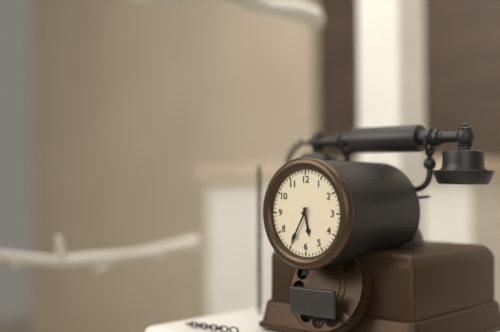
5:35
